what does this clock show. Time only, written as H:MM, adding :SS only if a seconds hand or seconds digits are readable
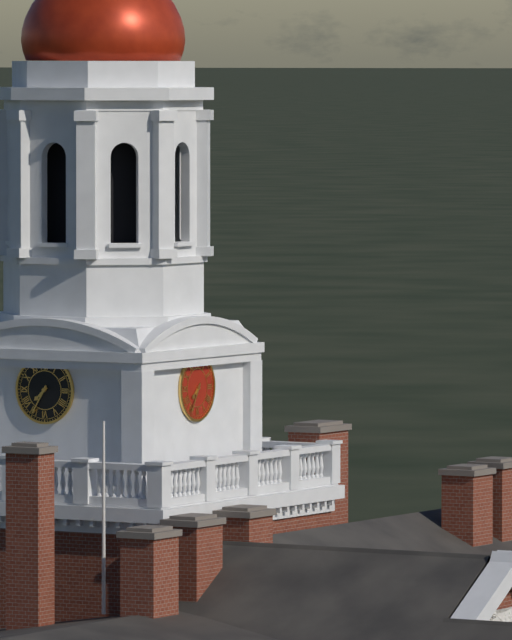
7:35
